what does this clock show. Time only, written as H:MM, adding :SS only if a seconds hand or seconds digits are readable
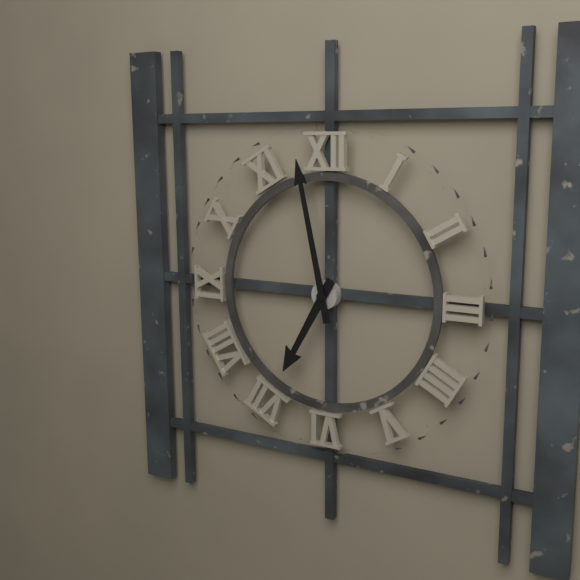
6:58
